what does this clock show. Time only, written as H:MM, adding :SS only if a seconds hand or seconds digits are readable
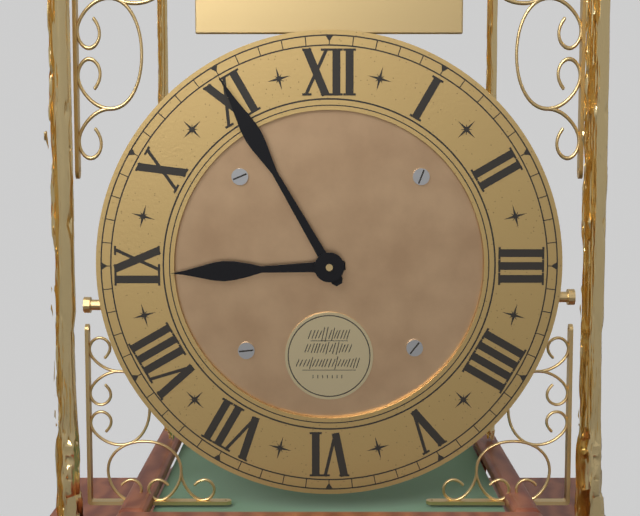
8:55
